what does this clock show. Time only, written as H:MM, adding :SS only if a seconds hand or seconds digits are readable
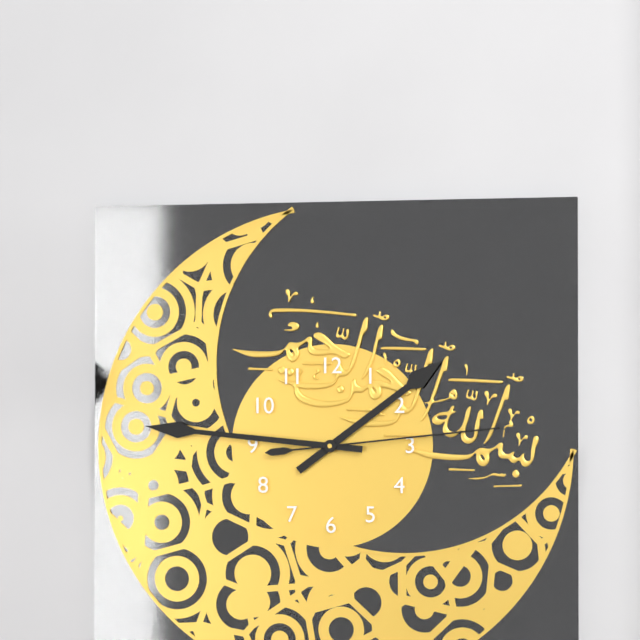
1:46:14
